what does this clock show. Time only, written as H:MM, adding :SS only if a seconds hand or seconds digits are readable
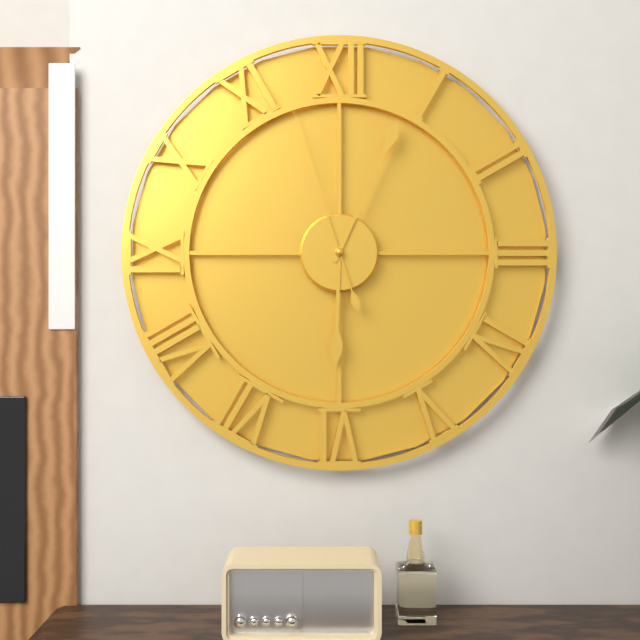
6:04:57
